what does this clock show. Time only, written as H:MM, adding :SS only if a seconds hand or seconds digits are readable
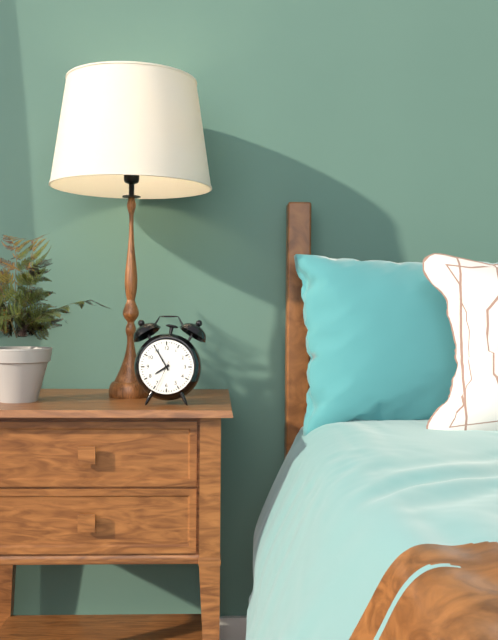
7:55
